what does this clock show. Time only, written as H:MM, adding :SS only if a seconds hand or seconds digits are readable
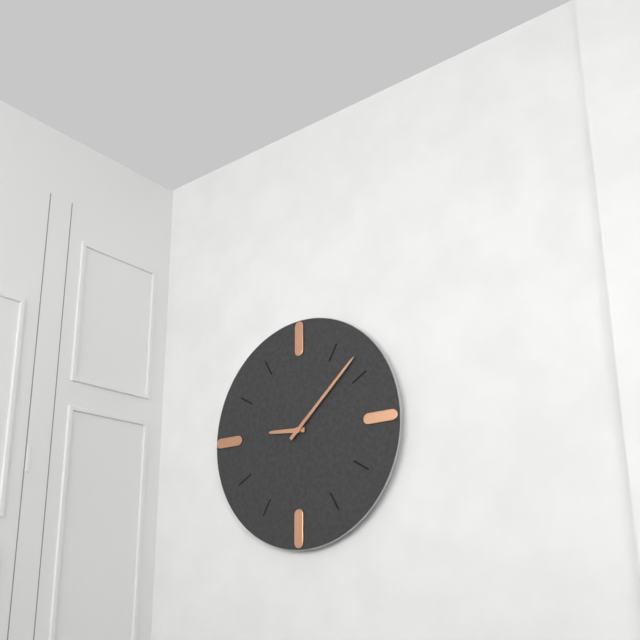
9:08
